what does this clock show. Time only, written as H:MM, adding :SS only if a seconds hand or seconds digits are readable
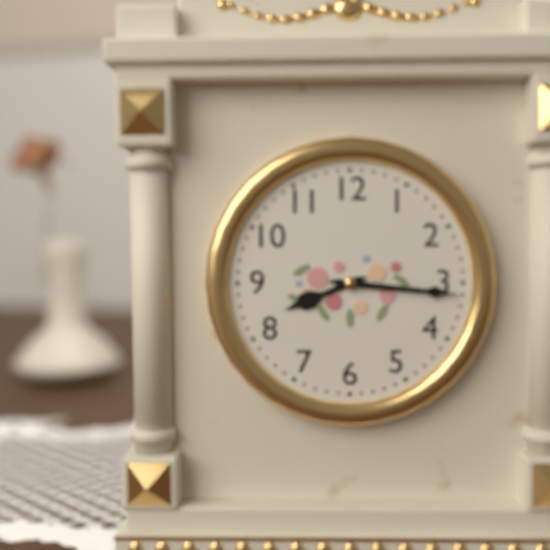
8:16
